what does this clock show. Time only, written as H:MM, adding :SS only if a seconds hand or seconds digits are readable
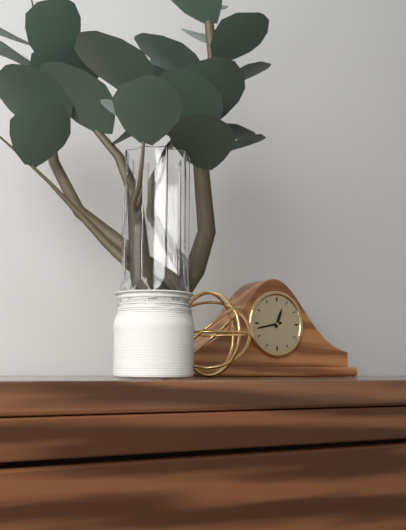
12:43
